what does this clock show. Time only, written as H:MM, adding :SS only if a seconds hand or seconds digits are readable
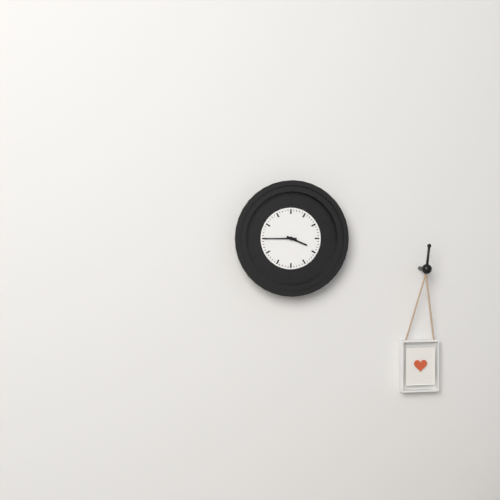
3:45
